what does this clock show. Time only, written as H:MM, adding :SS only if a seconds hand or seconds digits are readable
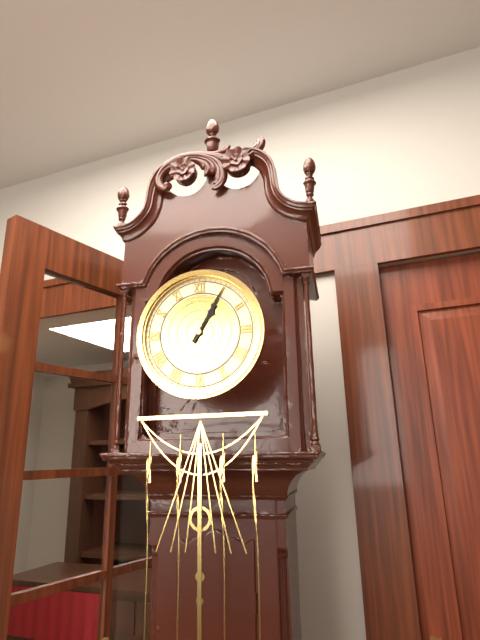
1:05
